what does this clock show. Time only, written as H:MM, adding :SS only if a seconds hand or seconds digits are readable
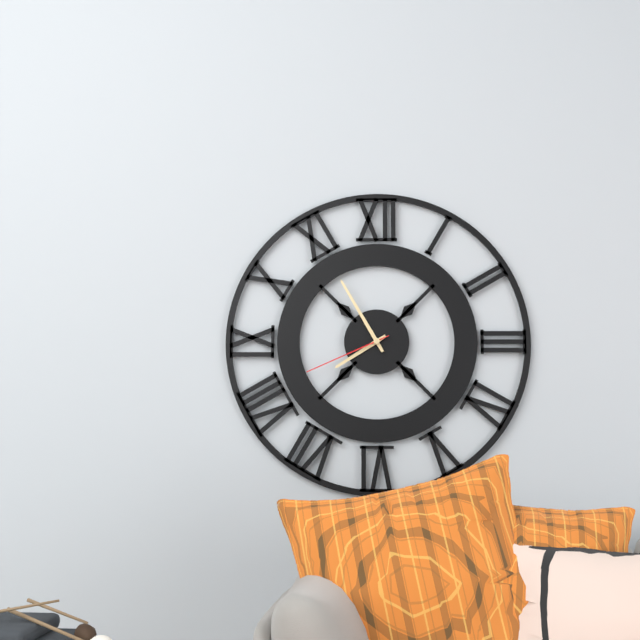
7:55:41
